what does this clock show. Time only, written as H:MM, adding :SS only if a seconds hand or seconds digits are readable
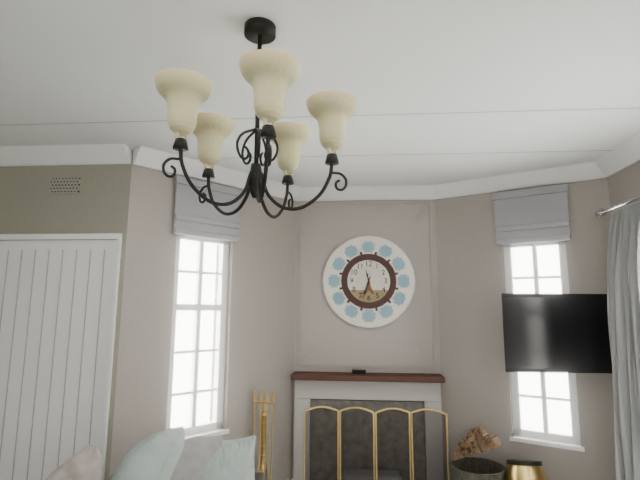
11:33
